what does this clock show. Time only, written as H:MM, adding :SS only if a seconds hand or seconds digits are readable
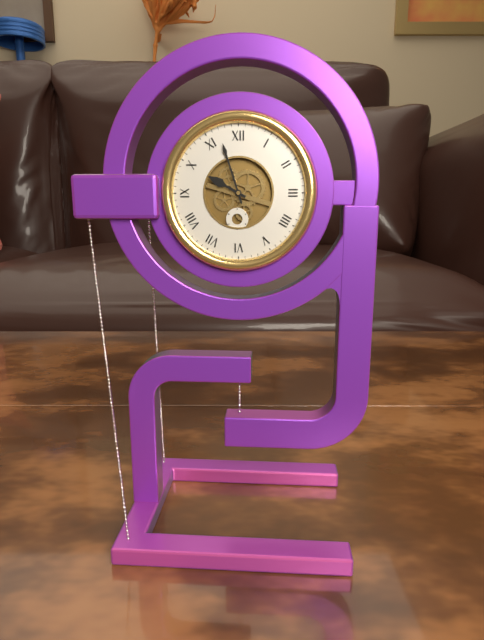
9:57
